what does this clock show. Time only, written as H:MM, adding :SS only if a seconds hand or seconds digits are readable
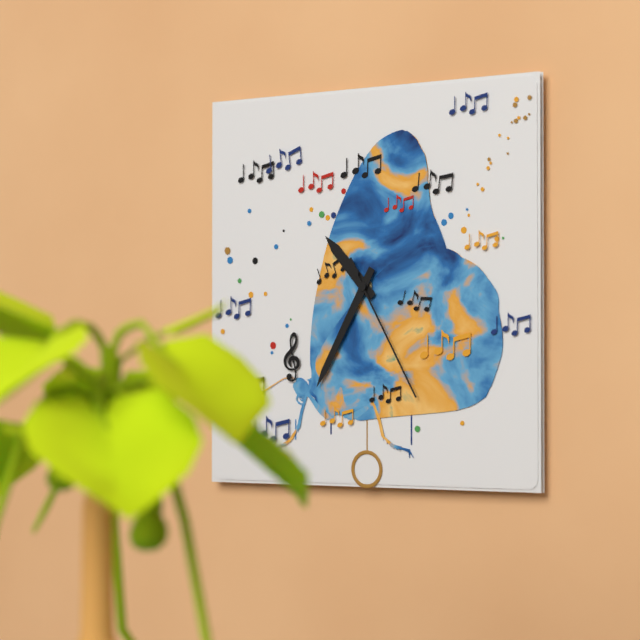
10:35:25
